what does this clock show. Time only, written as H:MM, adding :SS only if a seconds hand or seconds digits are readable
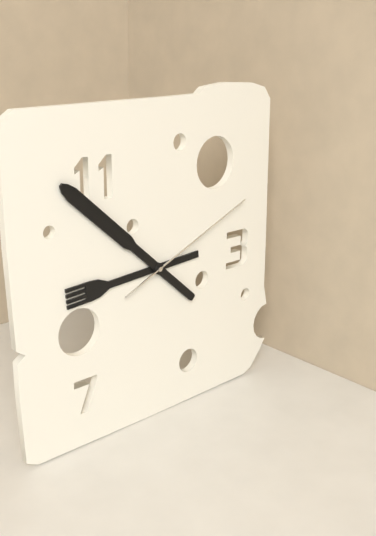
8:52:11
